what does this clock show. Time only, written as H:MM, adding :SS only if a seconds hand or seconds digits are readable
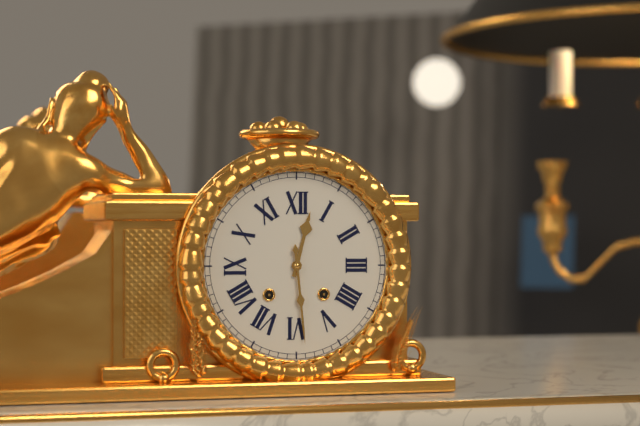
12:29
